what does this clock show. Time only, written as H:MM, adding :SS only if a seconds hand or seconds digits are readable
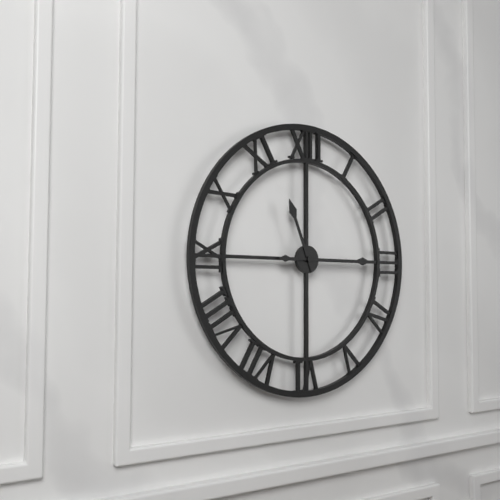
11:15
